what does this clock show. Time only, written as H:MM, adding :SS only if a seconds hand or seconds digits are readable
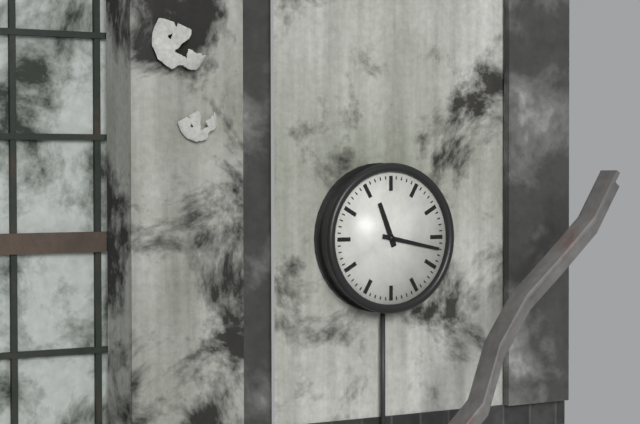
11:17
